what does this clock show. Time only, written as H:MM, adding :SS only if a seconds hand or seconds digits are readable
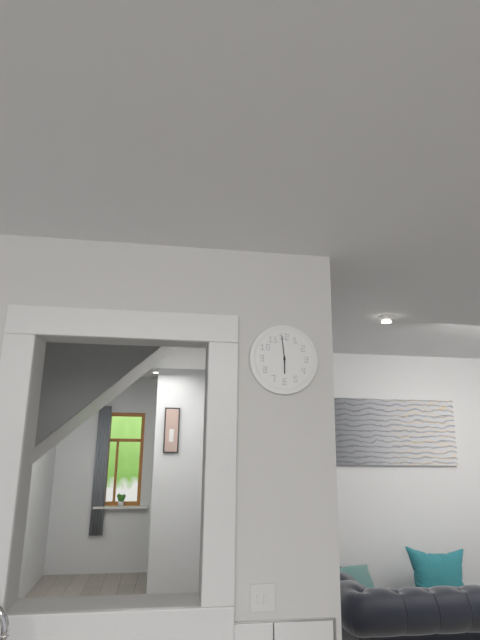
5:59
